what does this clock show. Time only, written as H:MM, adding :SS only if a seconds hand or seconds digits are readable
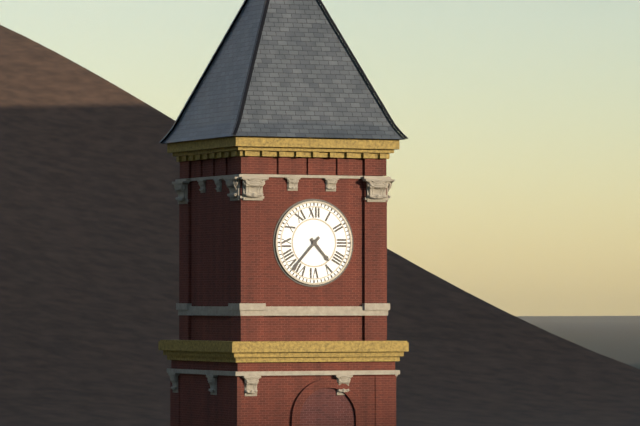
4:37
